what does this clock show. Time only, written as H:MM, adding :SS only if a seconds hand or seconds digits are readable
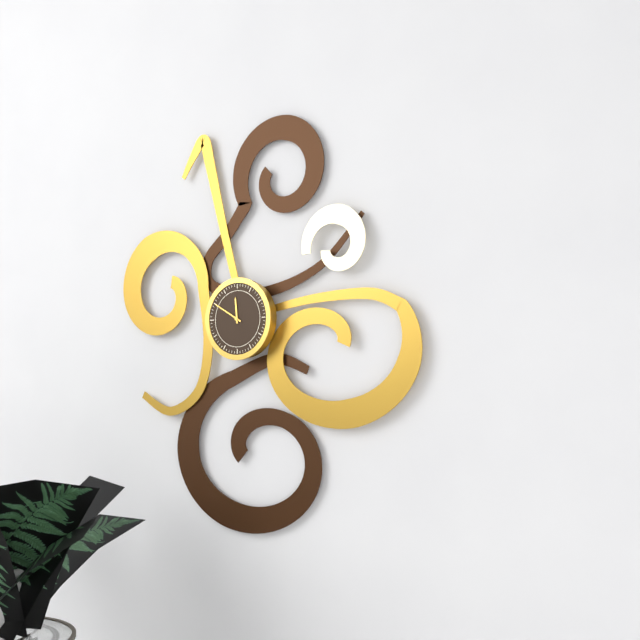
11:50
